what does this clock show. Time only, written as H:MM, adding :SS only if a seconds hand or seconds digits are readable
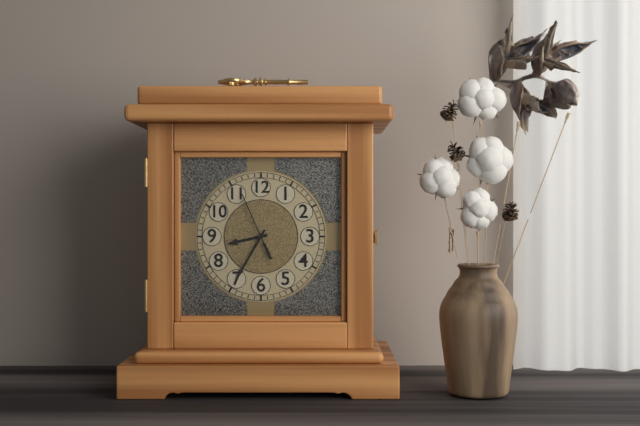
8:35:56
